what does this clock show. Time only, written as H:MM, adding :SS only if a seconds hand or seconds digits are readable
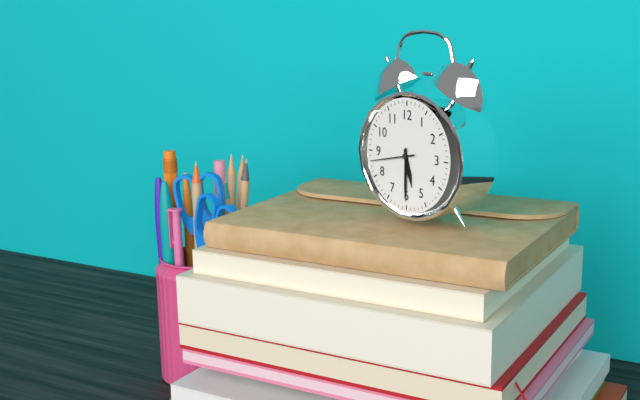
5:30
